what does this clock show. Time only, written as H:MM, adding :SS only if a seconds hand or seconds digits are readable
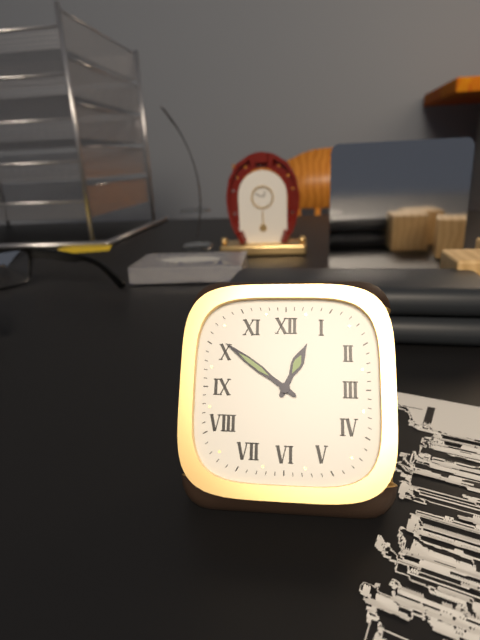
12:51
